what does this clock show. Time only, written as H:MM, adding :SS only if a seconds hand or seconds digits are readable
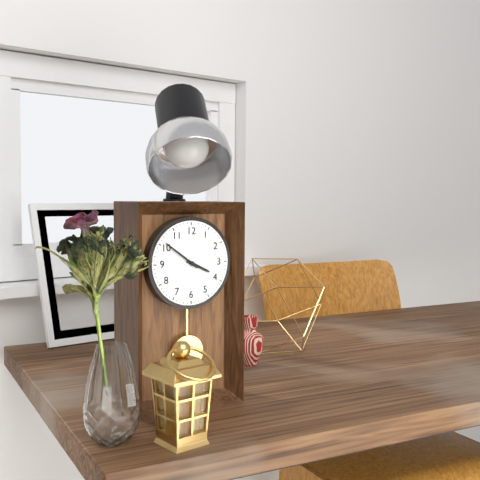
3:51
